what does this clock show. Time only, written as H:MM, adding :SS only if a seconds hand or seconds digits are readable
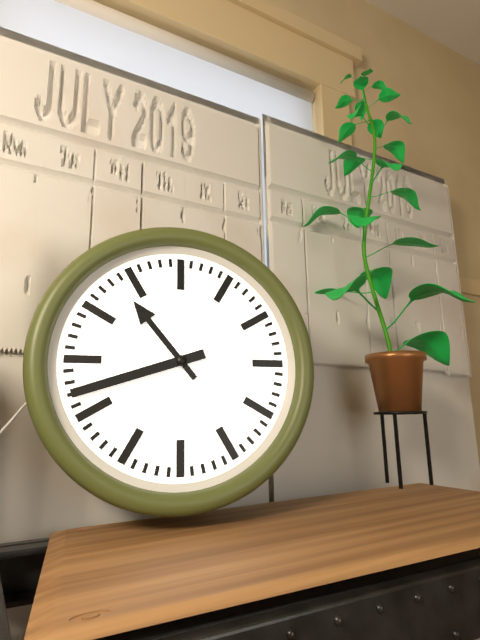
10:42
